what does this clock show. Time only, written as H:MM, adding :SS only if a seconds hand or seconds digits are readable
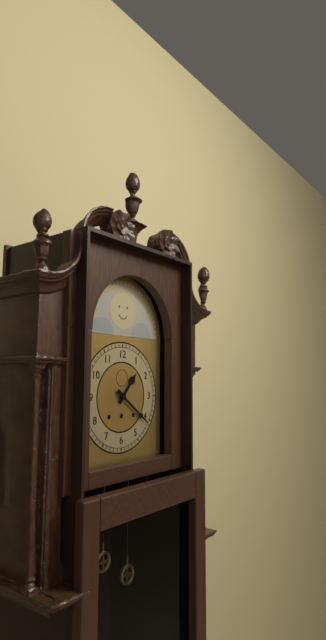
1:21
